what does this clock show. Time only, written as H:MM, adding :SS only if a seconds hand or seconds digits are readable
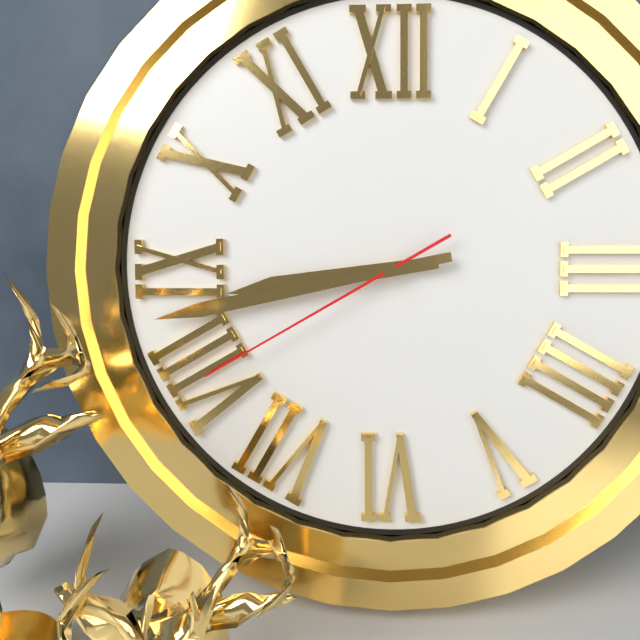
8:43:40
